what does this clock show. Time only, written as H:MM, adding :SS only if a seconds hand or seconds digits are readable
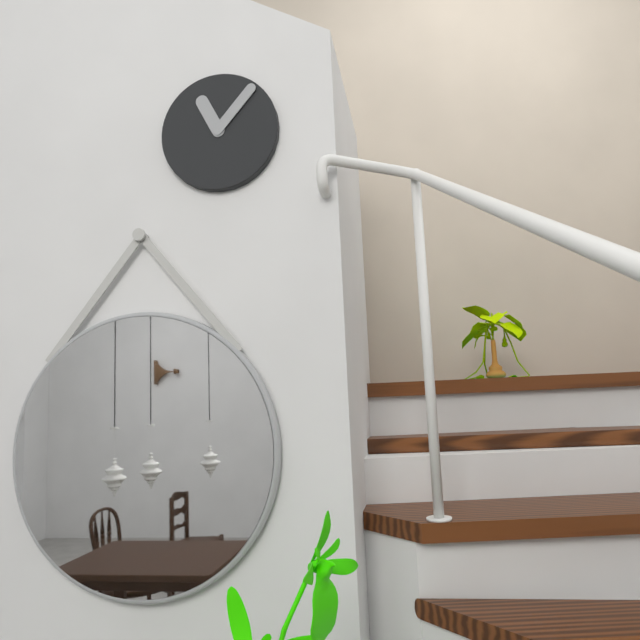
11:07
